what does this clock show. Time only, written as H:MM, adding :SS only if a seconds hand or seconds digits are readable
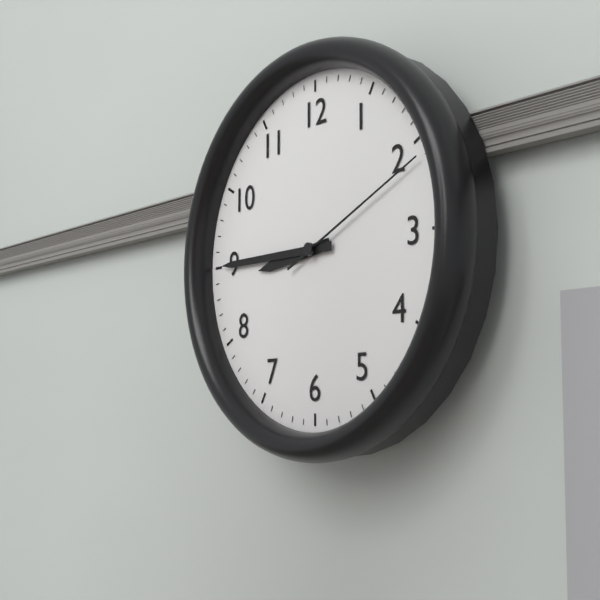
8:45:11
